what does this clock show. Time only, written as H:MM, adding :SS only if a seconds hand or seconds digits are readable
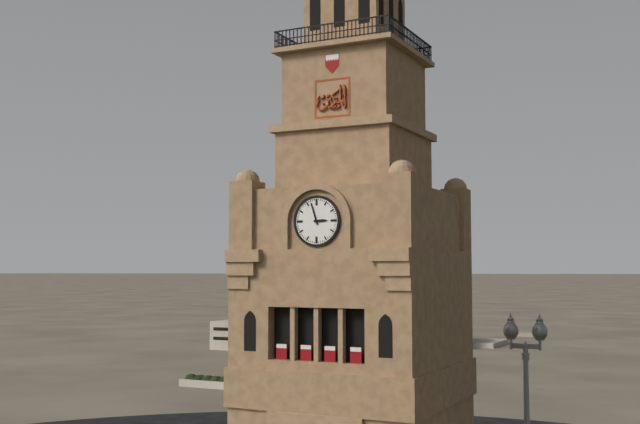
2:57
